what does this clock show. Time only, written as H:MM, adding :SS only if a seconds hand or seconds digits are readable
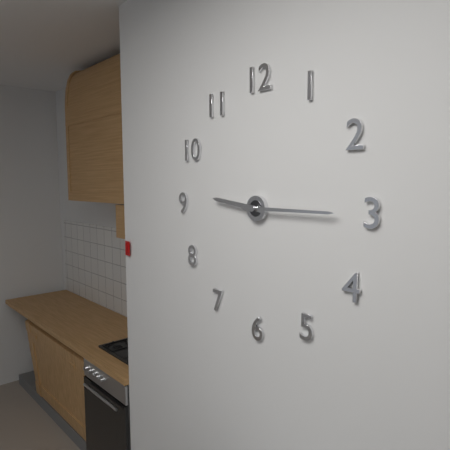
9:15
